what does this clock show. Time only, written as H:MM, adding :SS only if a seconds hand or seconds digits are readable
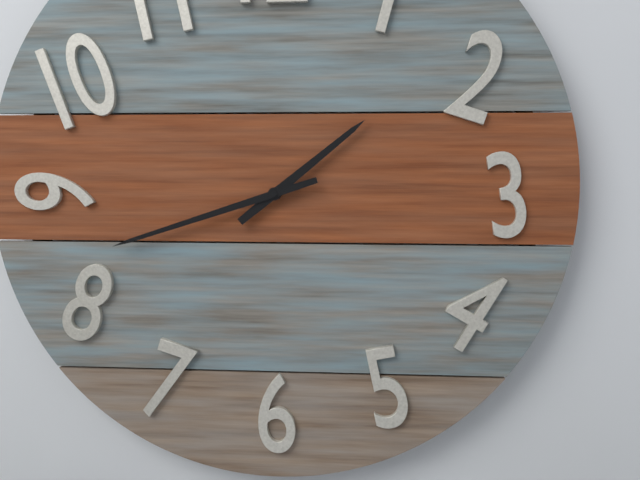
1:42
